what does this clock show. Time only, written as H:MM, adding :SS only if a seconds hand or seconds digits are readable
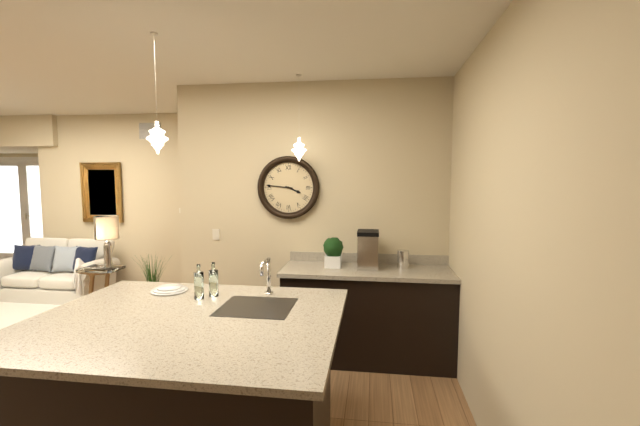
3:46
